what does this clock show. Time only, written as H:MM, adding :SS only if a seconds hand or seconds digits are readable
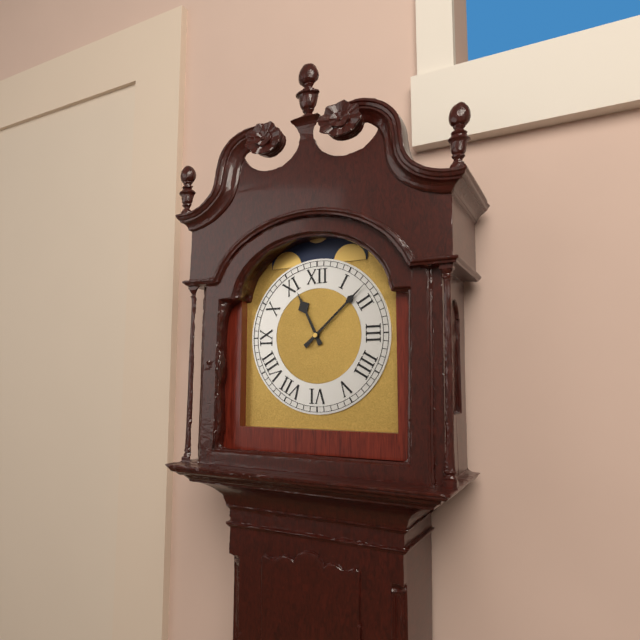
11:08
